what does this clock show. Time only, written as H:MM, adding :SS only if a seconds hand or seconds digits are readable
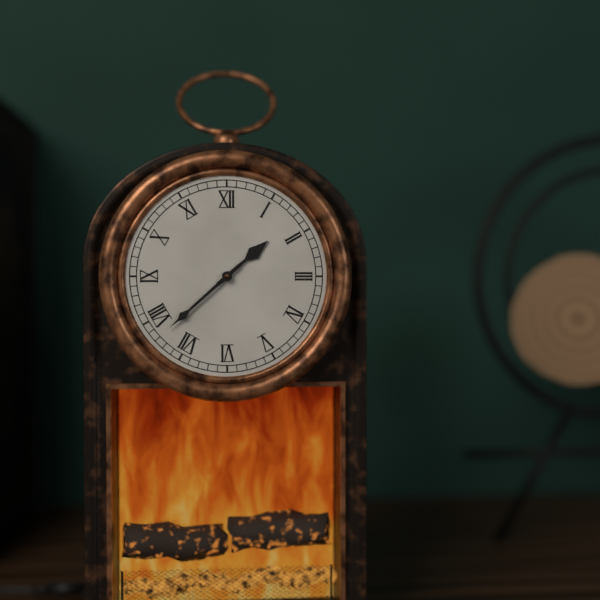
1:38
